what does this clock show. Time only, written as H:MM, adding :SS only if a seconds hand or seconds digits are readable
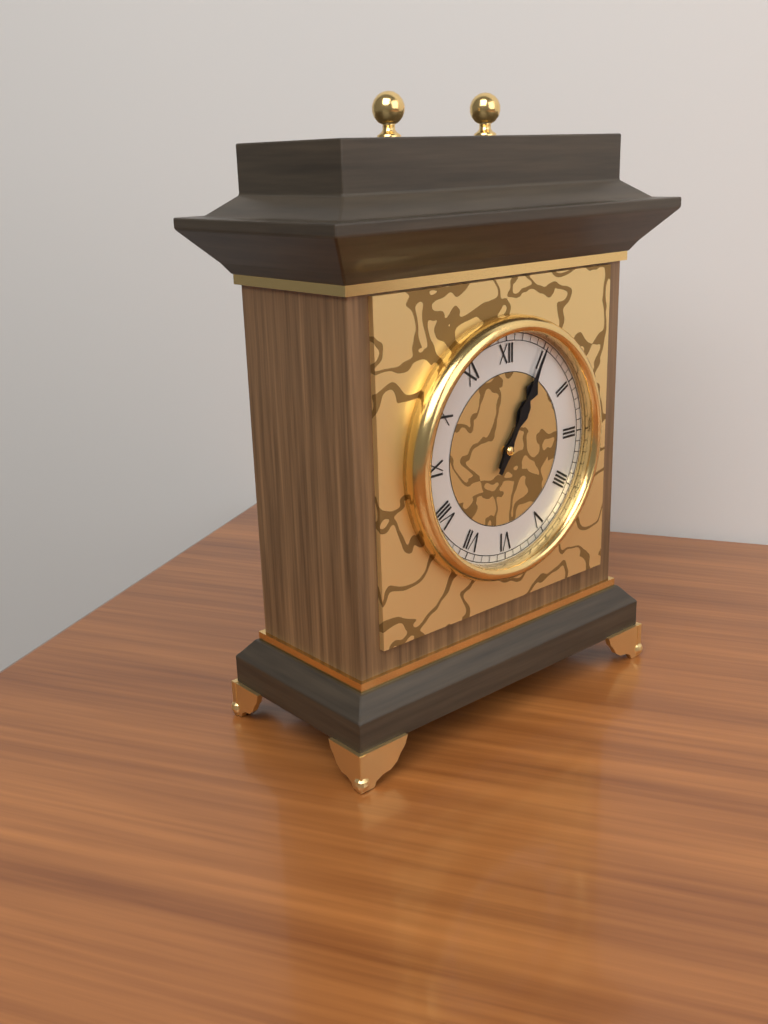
1:05
